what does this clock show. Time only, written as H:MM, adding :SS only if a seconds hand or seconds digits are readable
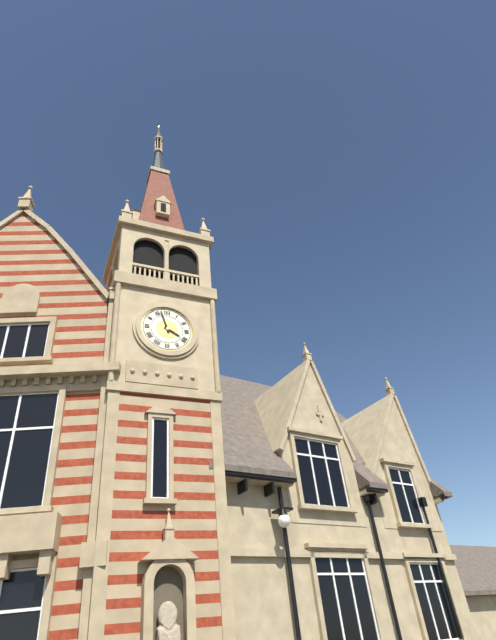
3:57
